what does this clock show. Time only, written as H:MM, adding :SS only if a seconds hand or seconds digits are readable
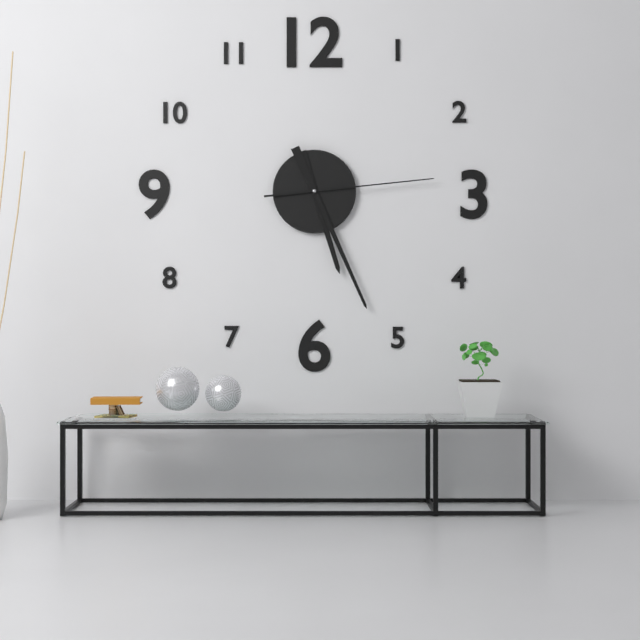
5:26:14
